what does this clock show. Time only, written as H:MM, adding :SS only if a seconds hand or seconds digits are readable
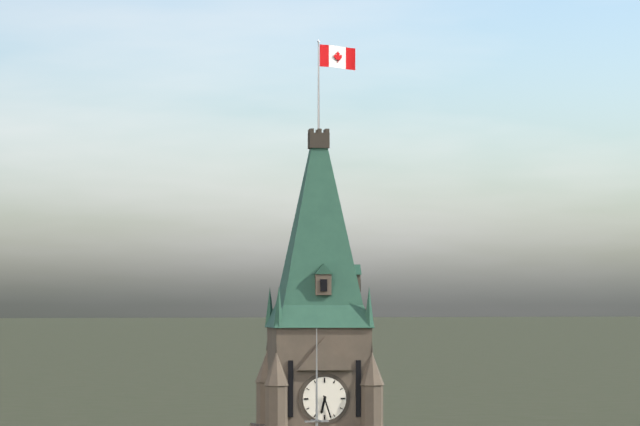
6:27
